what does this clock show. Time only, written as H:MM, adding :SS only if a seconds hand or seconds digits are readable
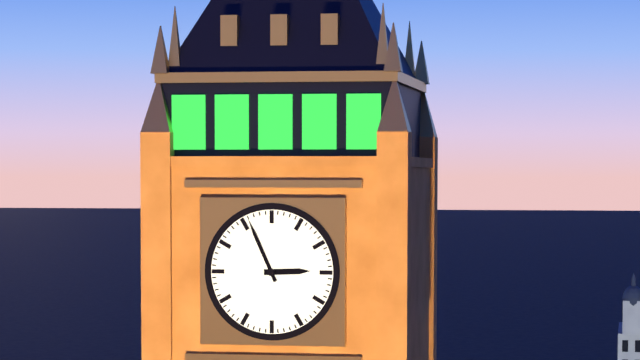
2:56
